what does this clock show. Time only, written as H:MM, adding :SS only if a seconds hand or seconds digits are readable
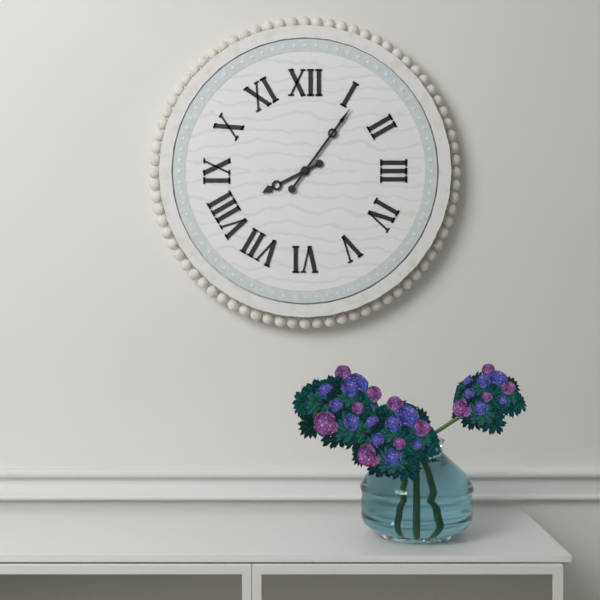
8:06
